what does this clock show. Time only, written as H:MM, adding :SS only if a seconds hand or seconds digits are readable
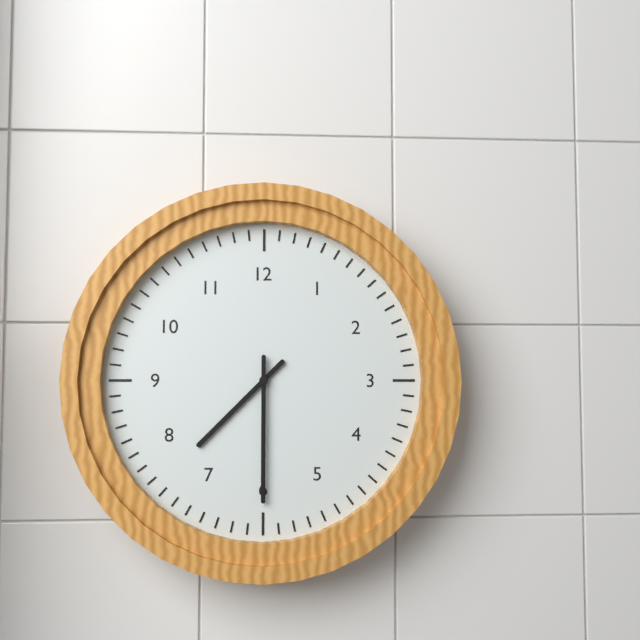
7:30
